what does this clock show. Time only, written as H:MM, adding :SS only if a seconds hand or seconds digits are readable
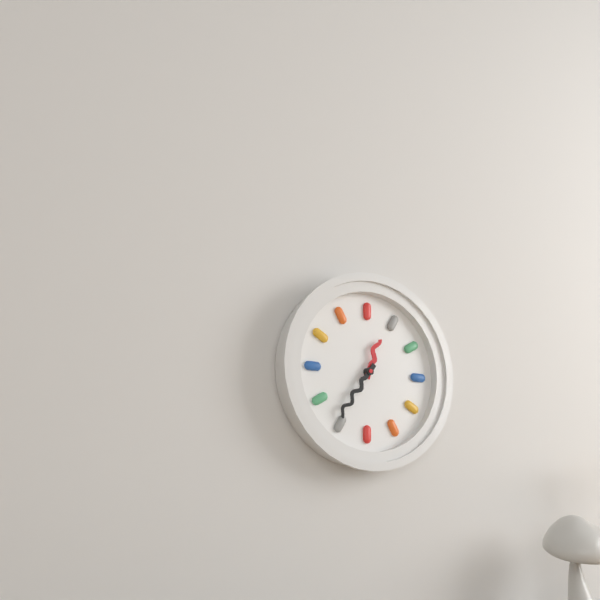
12:36
